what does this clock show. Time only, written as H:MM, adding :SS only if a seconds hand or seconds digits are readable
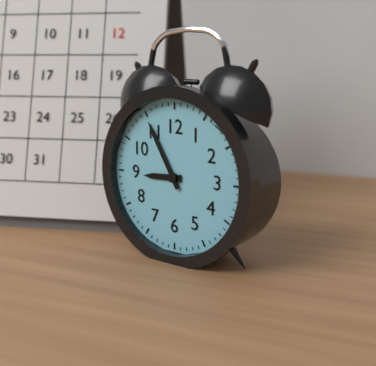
8:55
